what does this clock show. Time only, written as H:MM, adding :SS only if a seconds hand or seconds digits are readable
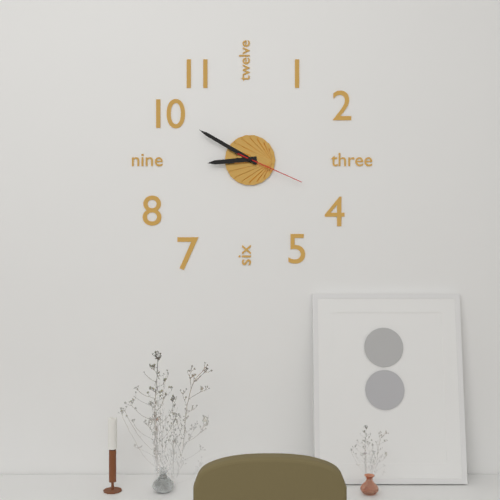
8:50:19
